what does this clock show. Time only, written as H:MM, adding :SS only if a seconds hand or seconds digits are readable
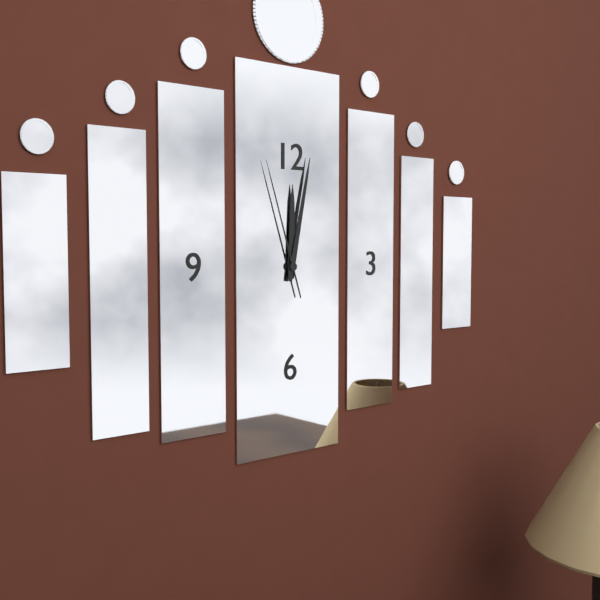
12:02:57
